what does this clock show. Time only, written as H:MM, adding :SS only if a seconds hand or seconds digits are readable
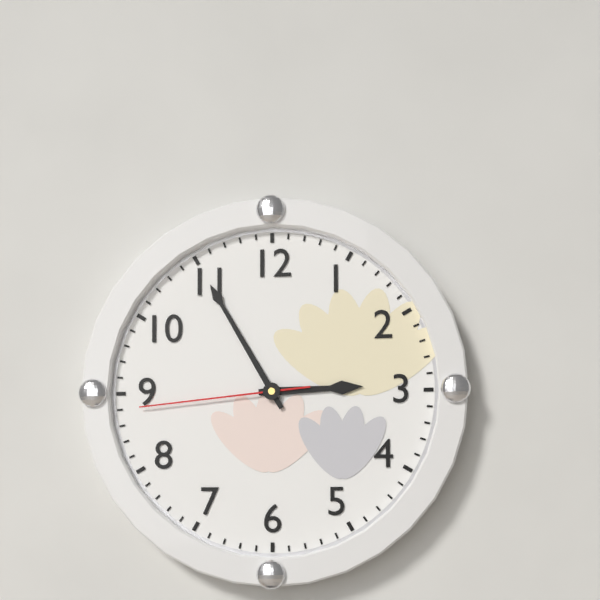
2:55:44
